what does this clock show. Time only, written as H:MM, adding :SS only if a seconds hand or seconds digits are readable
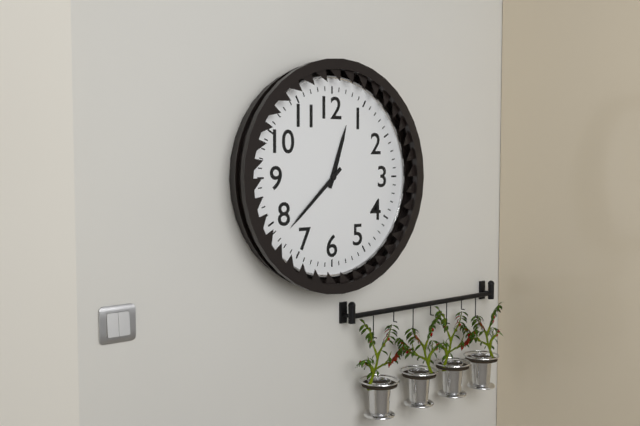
12:38
